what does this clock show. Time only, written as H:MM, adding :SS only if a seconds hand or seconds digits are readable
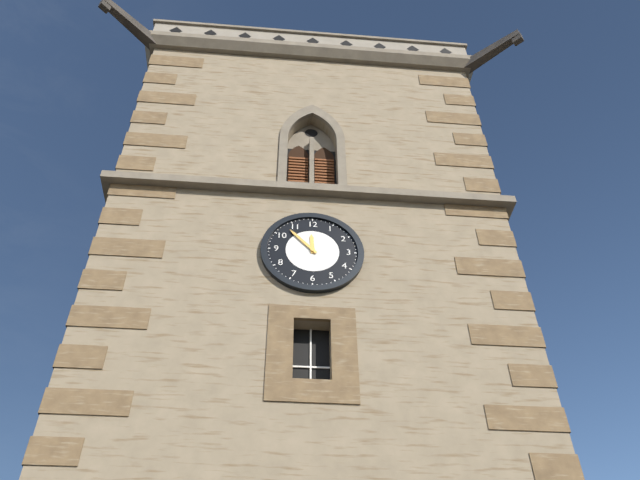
11:53
